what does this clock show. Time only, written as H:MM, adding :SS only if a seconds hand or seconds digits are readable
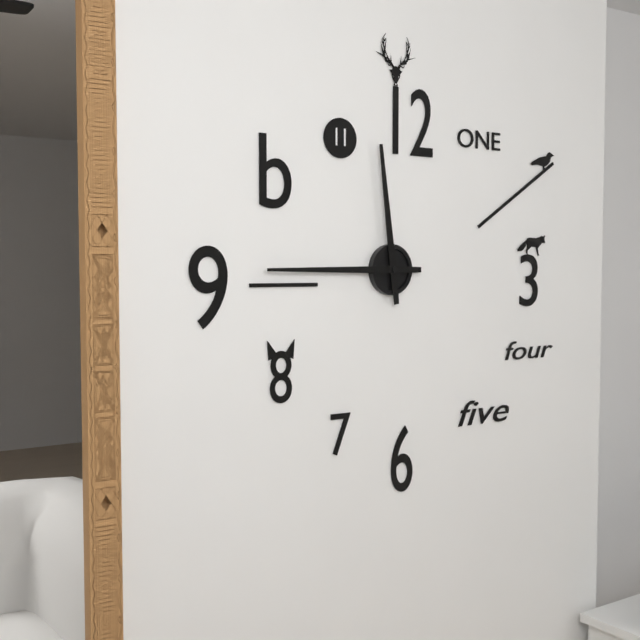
11:45
